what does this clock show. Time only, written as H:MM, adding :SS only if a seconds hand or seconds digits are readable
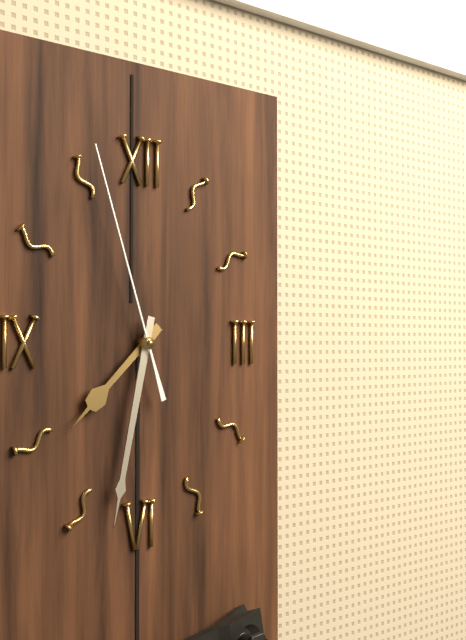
7:32:57
